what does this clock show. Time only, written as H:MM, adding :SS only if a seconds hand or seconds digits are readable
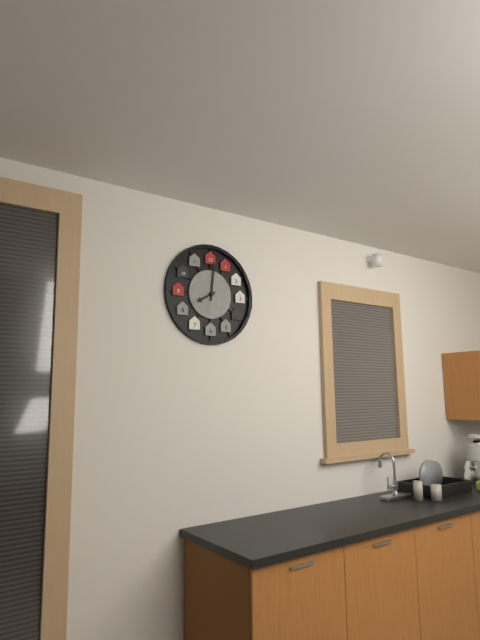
8:01
